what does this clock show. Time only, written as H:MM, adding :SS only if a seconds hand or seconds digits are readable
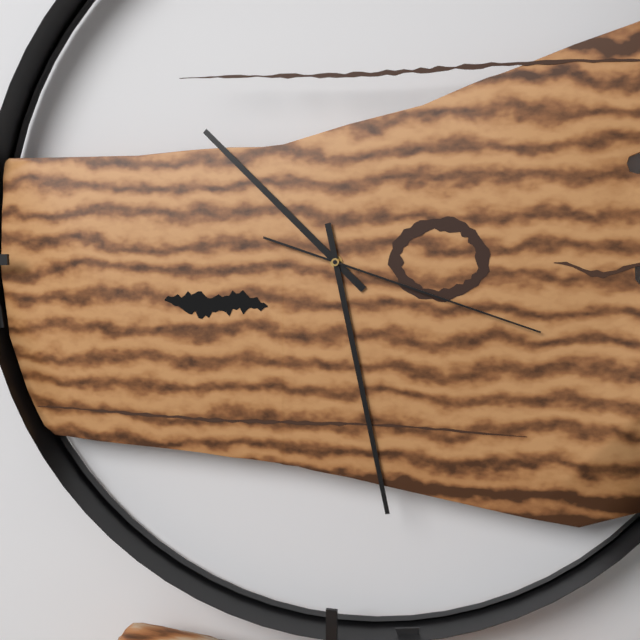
10:28:18
